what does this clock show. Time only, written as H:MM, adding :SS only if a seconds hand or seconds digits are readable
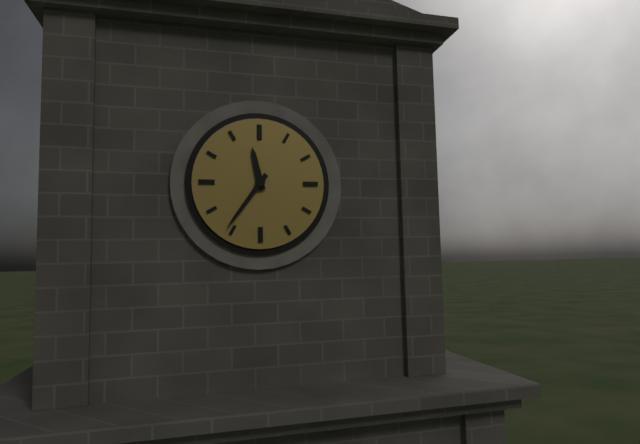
11:36
